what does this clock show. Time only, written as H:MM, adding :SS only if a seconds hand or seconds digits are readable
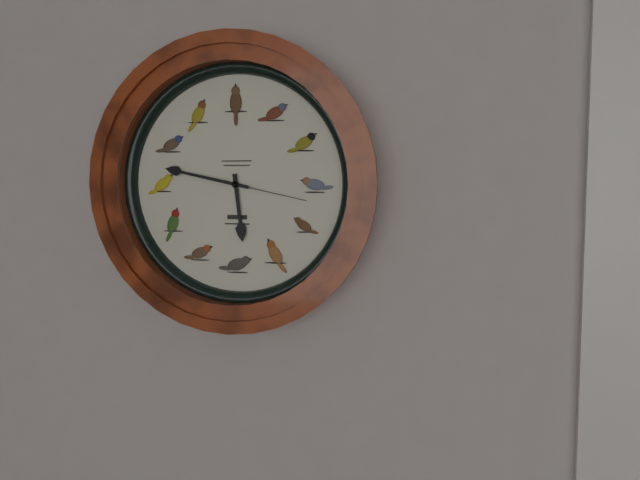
5:47:17
